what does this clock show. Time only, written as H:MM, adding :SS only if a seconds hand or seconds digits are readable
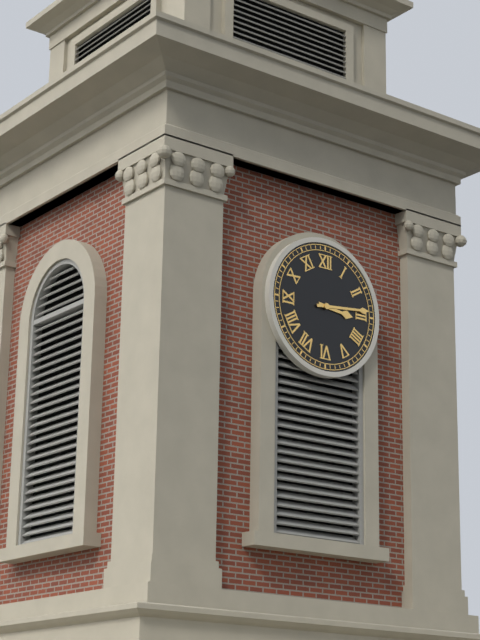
3:14
